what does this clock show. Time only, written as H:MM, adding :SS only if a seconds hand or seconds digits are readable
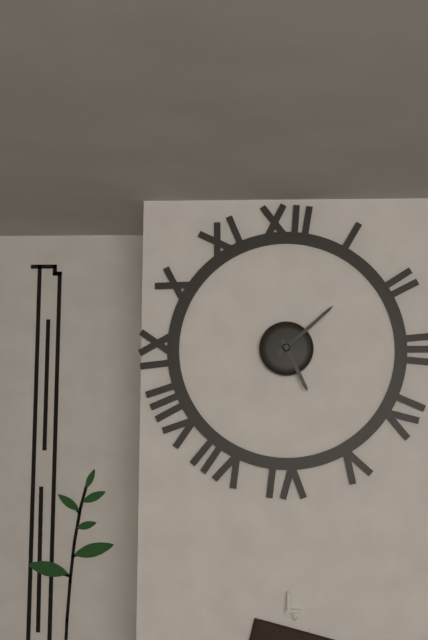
5:08
